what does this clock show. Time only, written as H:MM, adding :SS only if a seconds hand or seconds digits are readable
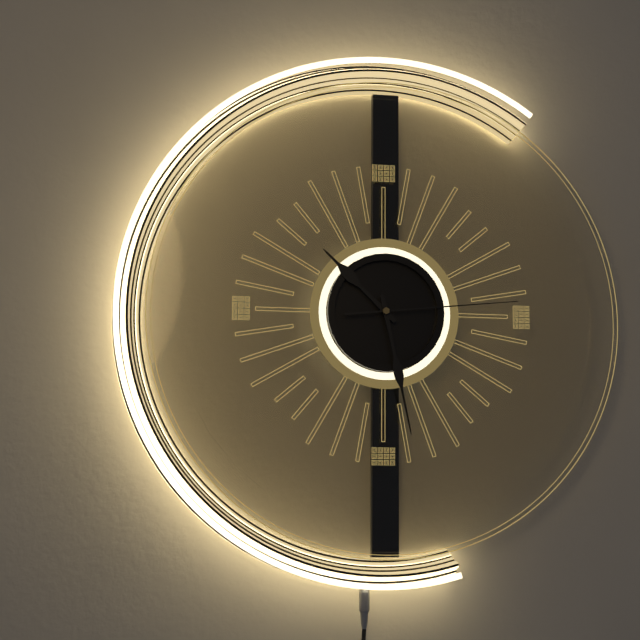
10:28:14
